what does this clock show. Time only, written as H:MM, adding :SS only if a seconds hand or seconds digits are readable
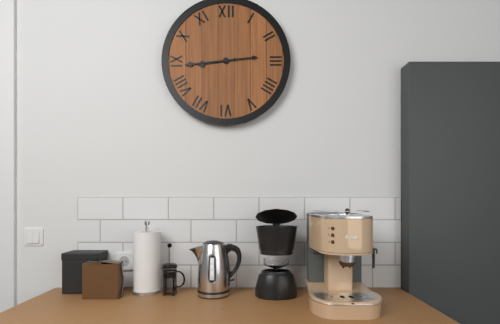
8:44
